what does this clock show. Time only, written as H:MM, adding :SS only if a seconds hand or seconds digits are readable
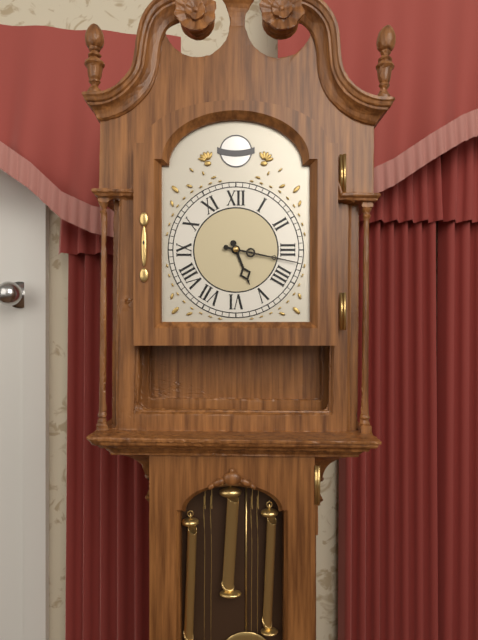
5:17
